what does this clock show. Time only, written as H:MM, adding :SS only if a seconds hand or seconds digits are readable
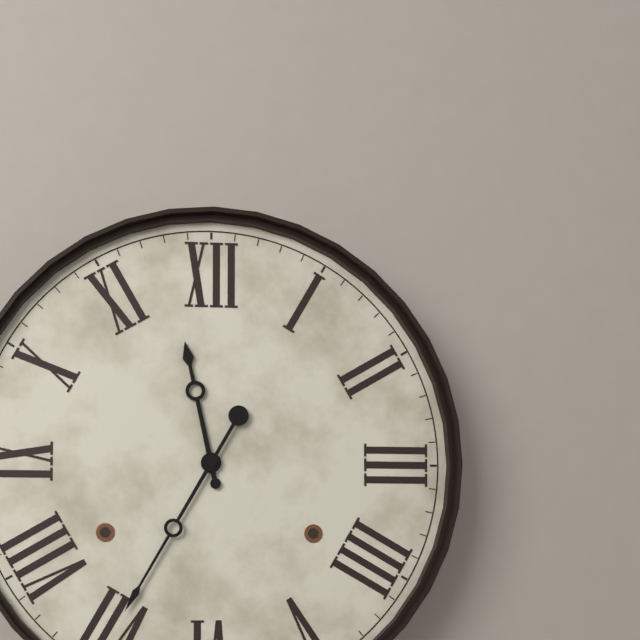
11:35
